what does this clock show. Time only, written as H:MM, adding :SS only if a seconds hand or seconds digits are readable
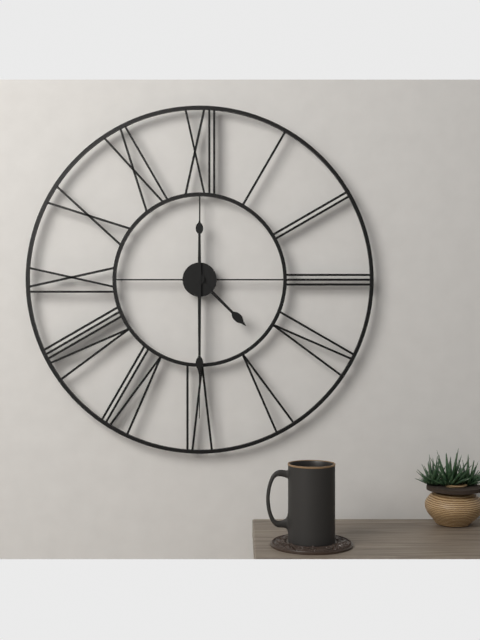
4:30
